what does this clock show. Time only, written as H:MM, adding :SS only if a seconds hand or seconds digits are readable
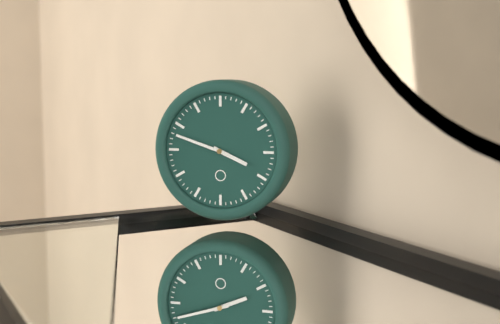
3:48
